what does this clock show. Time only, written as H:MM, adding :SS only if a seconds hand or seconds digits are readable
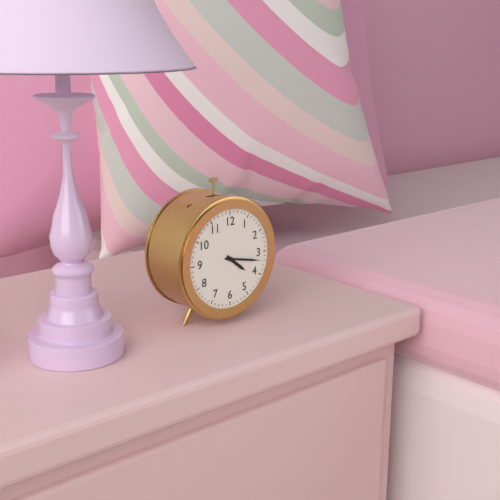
4:17
